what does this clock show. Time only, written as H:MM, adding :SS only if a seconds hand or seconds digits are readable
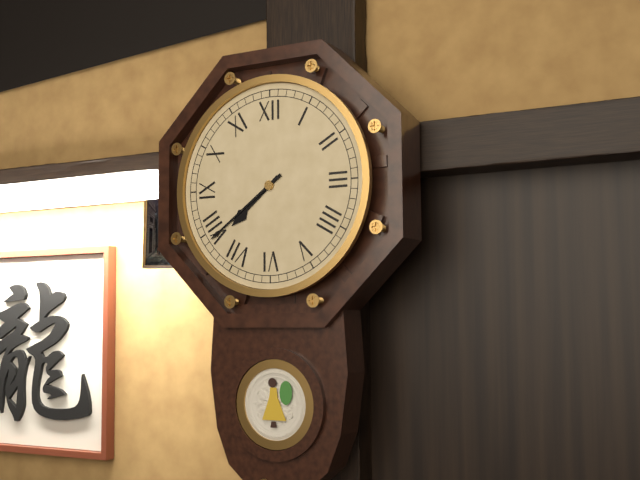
7:39
